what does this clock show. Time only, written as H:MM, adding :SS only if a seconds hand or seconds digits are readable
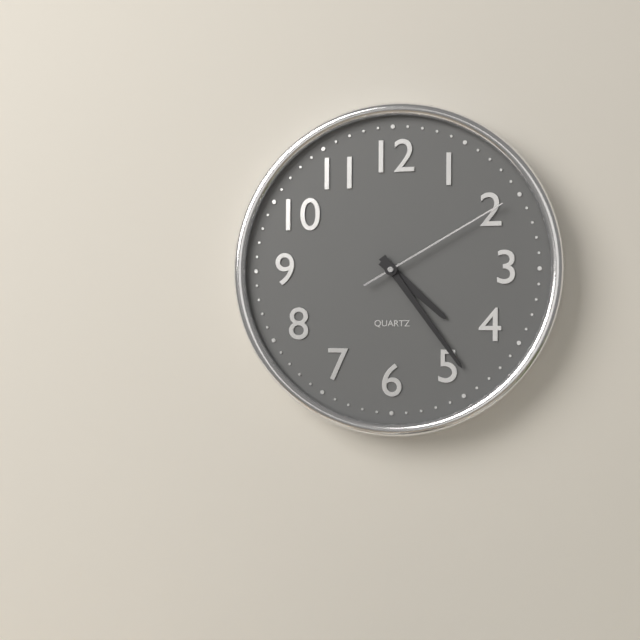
4:24:10
